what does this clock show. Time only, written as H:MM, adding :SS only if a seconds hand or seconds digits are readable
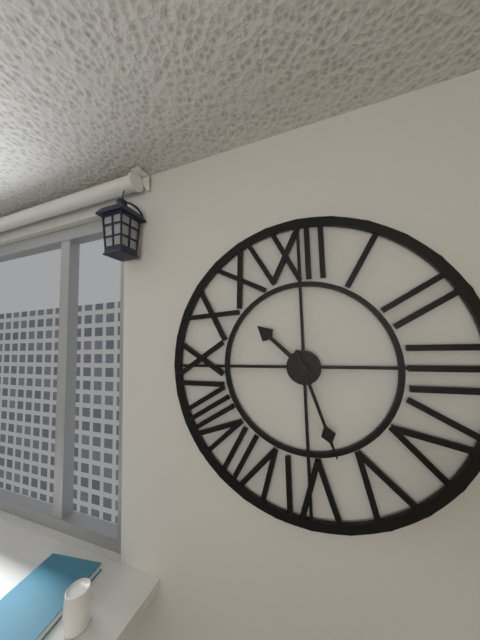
10:27
